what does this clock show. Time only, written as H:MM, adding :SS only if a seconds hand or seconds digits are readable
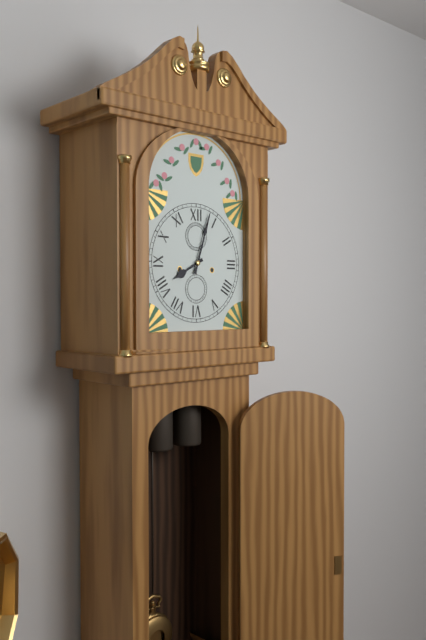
8:03
